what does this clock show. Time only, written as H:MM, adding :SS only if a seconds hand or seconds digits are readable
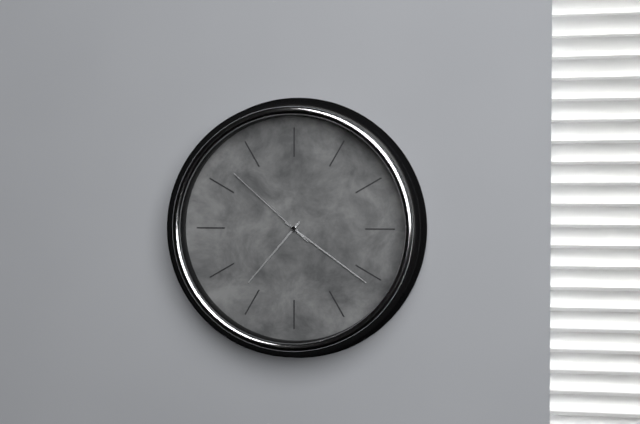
7:21:52
